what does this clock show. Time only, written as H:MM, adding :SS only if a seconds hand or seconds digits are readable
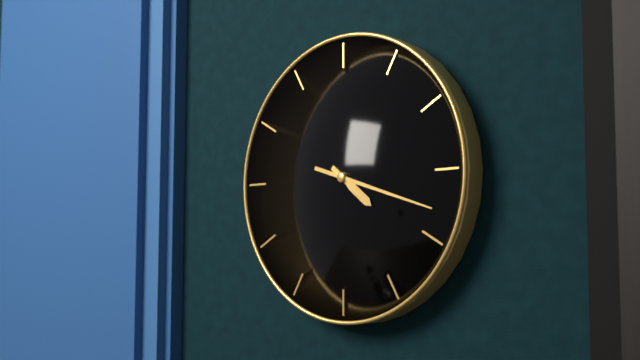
4:18
